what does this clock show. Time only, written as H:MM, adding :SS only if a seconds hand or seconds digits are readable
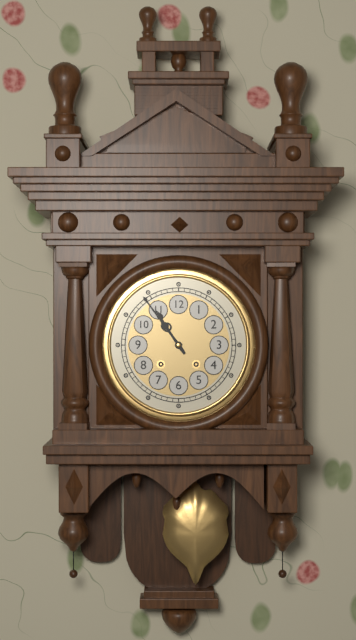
10:54
